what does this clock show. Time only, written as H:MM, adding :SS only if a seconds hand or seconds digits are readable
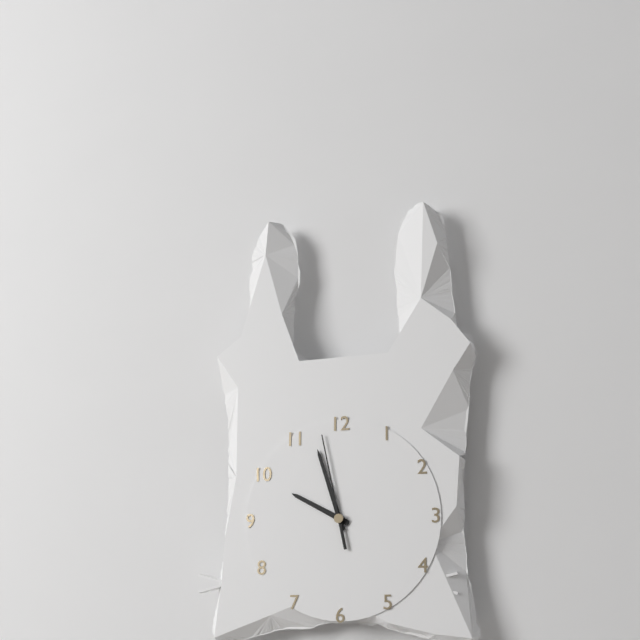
9:57:58
